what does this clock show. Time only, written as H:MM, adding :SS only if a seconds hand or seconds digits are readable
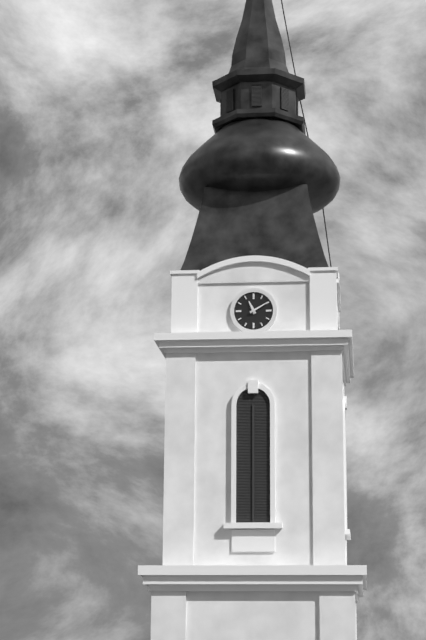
11:10
